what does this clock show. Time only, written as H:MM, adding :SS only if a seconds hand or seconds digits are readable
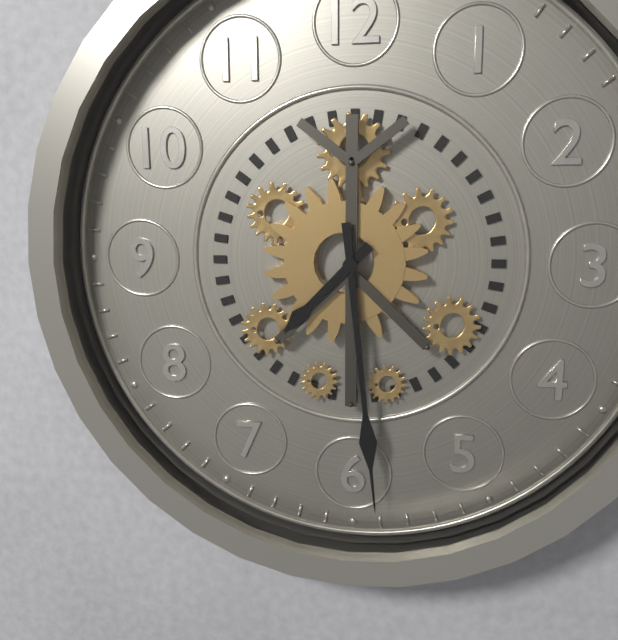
7:29
